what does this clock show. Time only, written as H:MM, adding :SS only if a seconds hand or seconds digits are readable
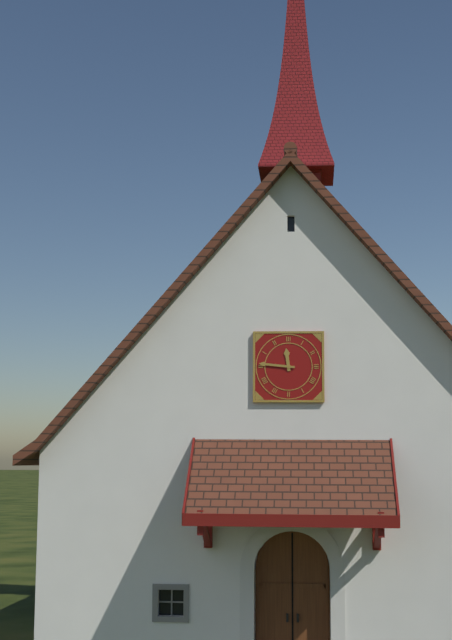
11:46
